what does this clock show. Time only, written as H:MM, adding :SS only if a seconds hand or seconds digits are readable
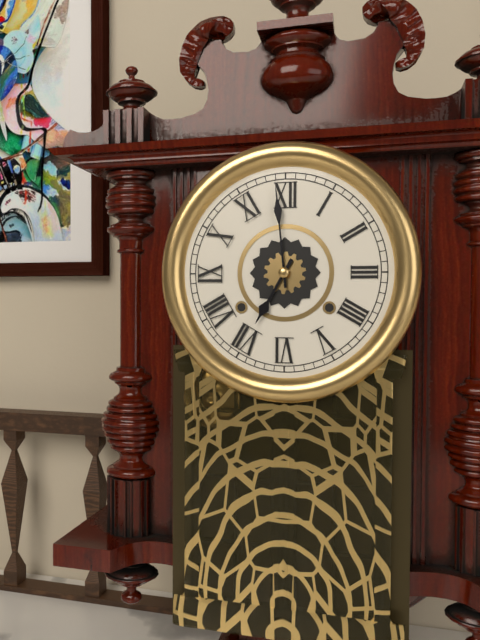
6:59
